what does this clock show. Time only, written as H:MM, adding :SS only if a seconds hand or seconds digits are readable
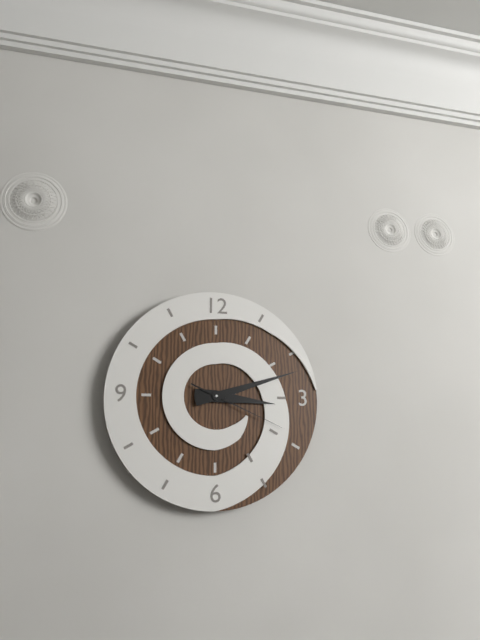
3:12:19
